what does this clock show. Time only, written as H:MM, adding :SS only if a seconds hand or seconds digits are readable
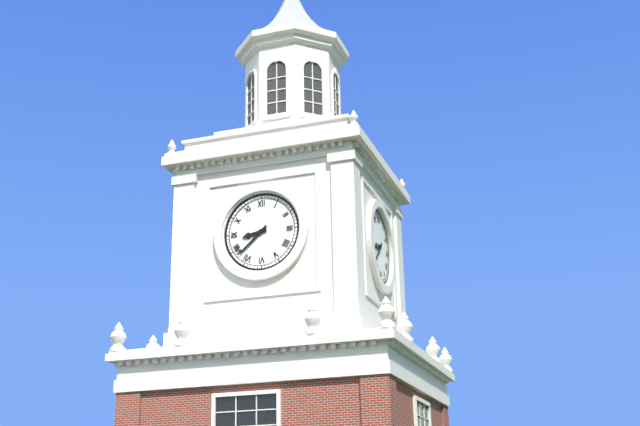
8:38
